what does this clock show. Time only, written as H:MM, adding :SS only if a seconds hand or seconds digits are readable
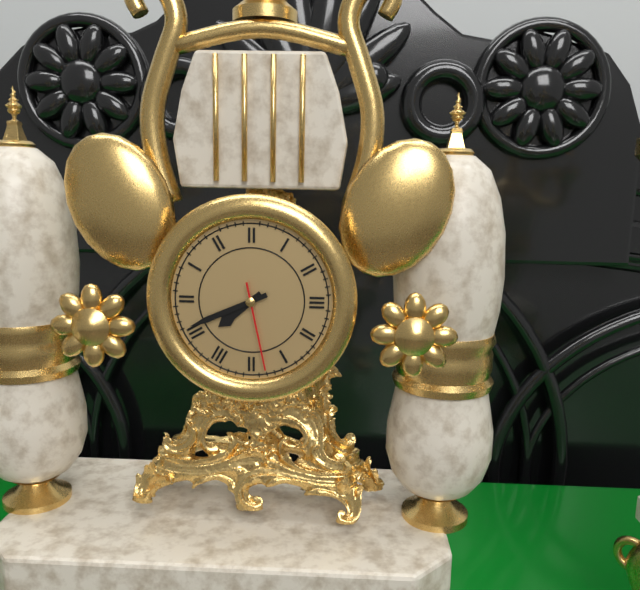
7:41:28
